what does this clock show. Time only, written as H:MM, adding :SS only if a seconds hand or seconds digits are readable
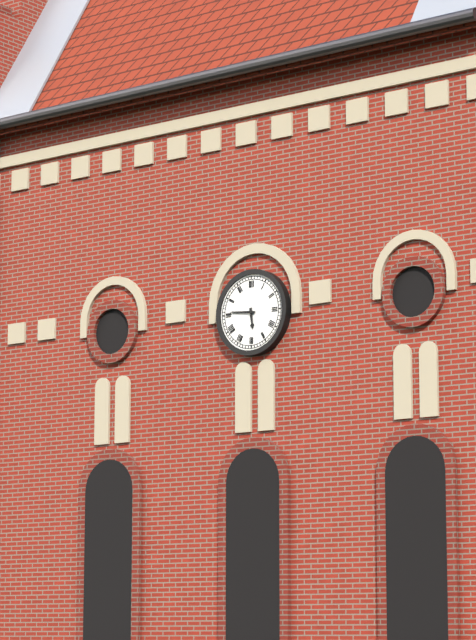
5:46
